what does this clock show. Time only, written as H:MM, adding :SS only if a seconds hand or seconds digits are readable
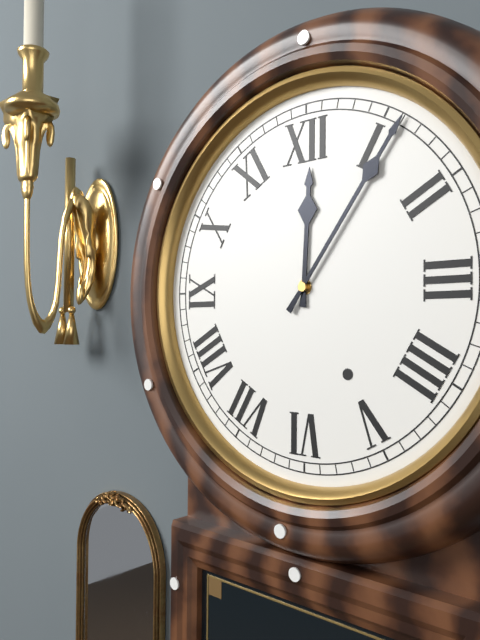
12:06
